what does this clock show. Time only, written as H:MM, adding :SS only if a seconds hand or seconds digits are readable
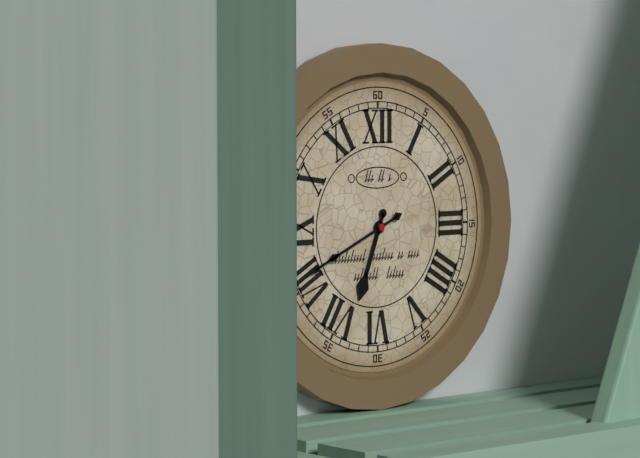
6:41
